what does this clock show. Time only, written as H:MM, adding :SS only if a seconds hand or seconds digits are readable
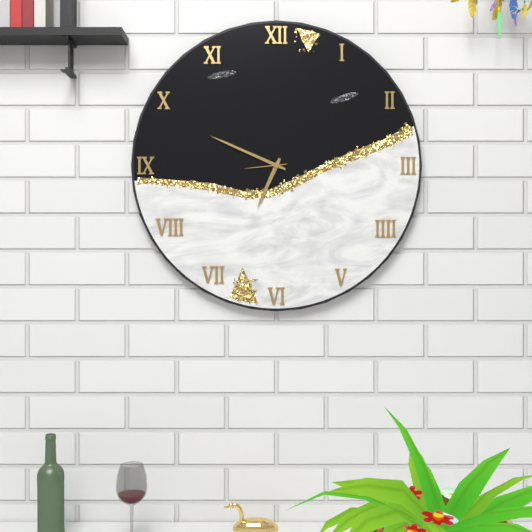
6:49
